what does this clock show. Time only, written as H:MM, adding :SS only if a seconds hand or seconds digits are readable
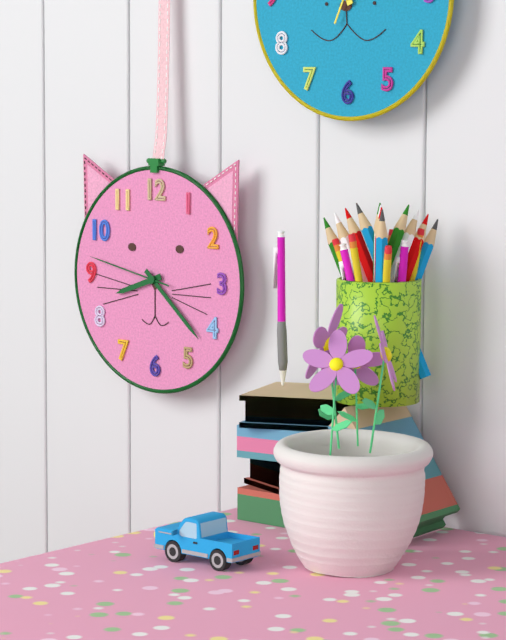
8:22:47
